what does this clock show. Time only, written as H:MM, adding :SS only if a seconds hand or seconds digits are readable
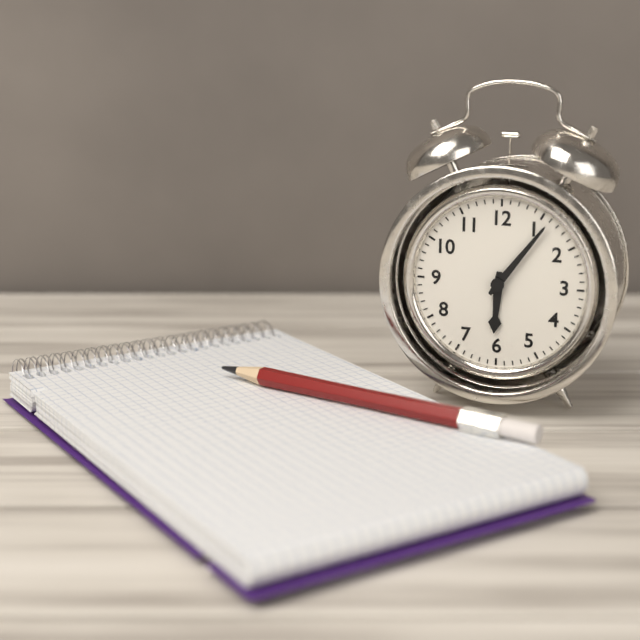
6:06
